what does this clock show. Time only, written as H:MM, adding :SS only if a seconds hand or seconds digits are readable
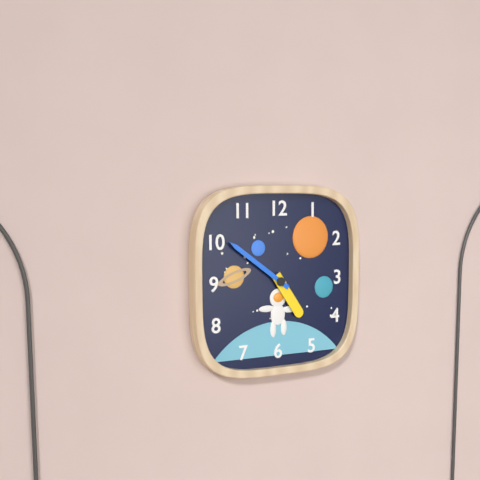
4:51
